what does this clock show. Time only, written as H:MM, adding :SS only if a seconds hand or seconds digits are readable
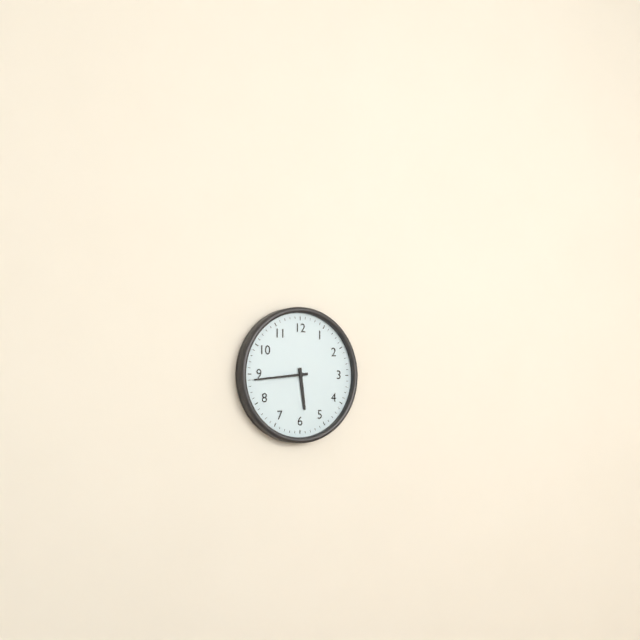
5:44
